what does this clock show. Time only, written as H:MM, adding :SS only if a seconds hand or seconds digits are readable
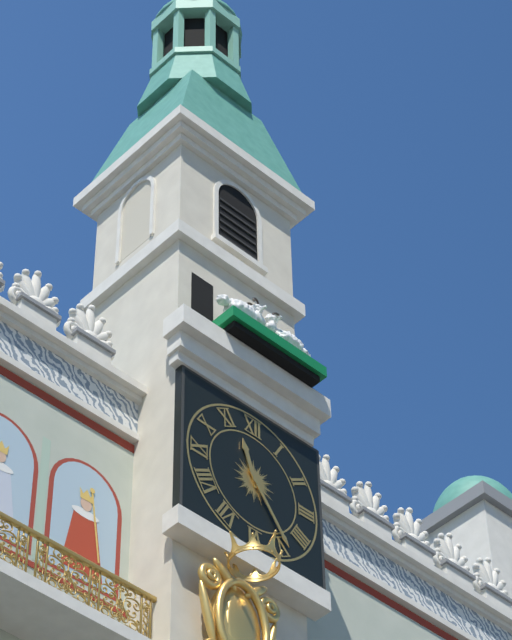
11:24
